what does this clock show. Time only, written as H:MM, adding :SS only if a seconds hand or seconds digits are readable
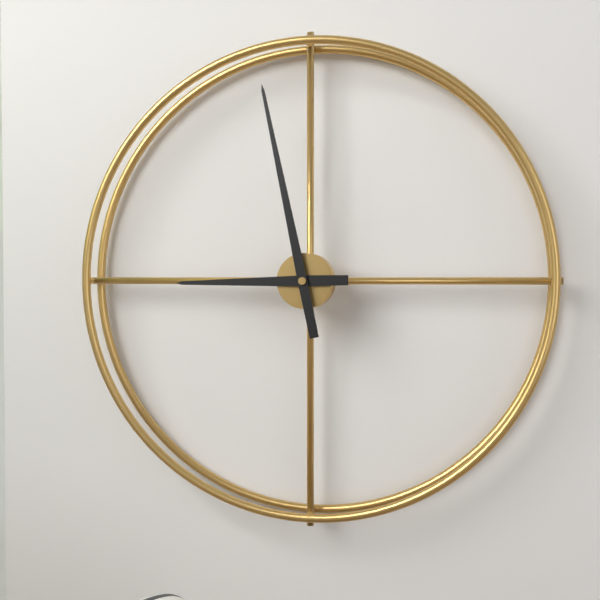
8:58
